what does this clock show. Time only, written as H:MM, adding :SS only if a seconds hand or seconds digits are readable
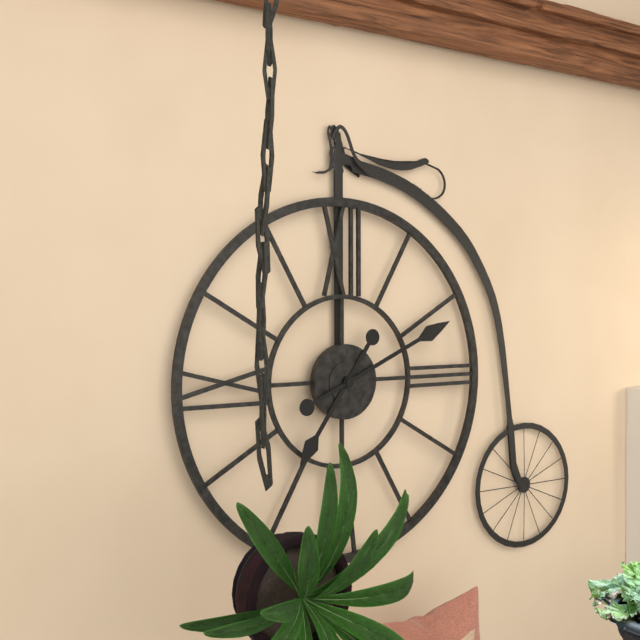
7:11
